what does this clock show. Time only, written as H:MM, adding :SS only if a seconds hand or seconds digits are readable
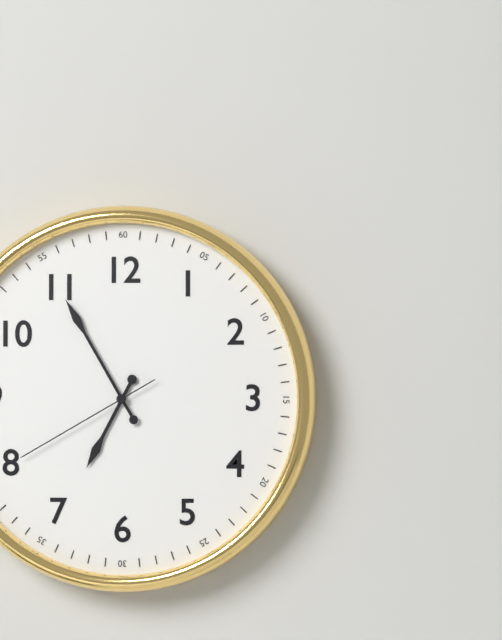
6:55:40
